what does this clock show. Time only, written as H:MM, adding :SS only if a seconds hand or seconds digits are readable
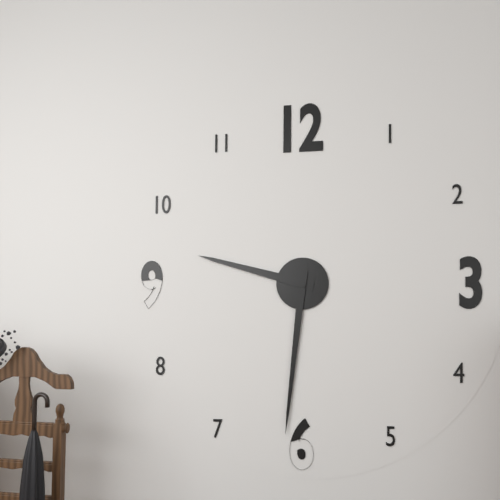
9:31
